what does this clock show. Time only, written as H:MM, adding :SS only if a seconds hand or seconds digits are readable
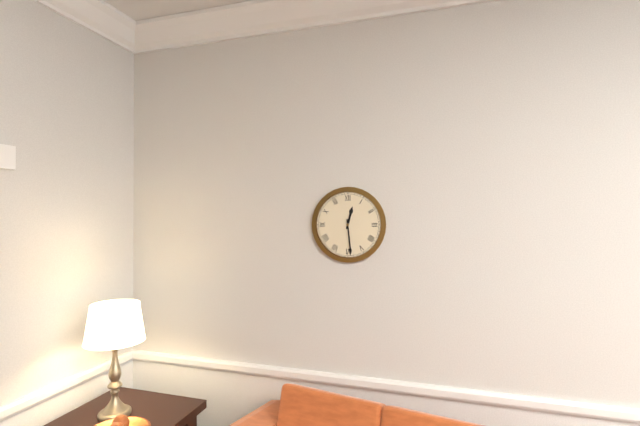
12:29
